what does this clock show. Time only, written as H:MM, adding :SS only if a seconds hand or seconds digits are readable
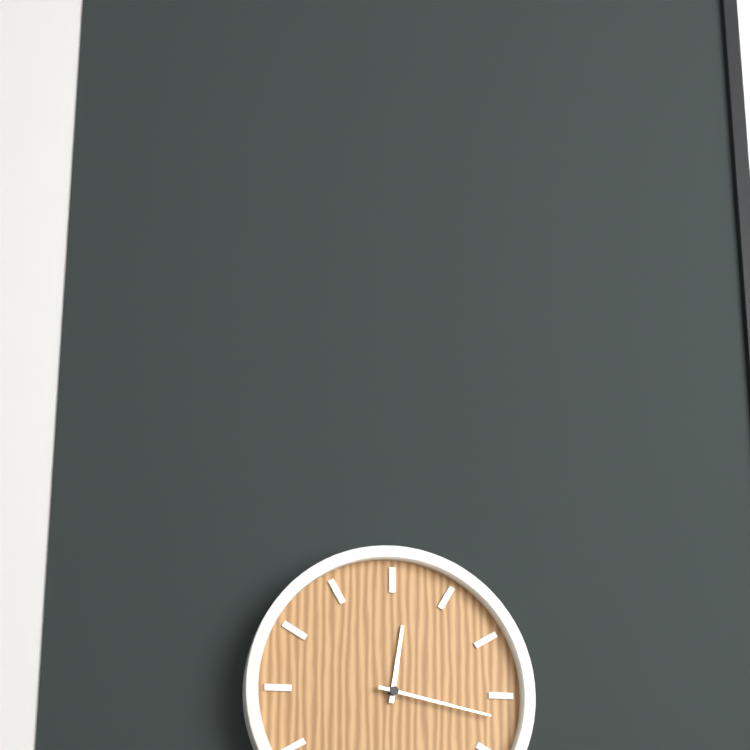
12:17
